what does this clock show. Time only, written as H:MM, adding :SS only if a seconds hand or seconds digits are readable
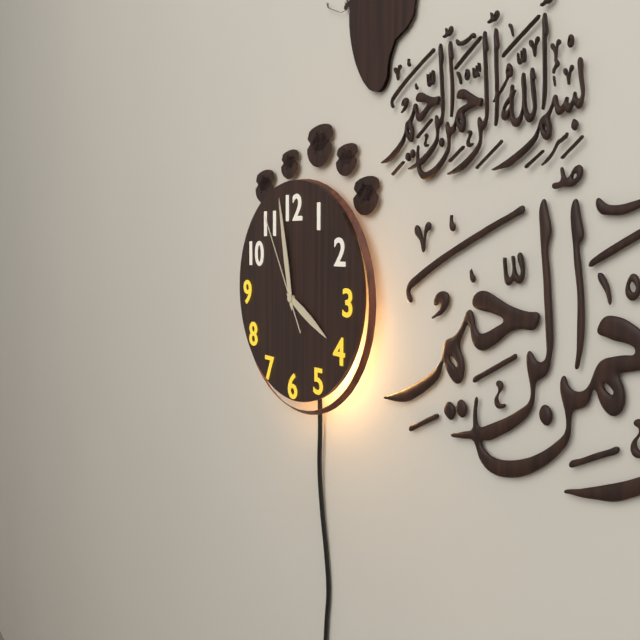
3:58:55
